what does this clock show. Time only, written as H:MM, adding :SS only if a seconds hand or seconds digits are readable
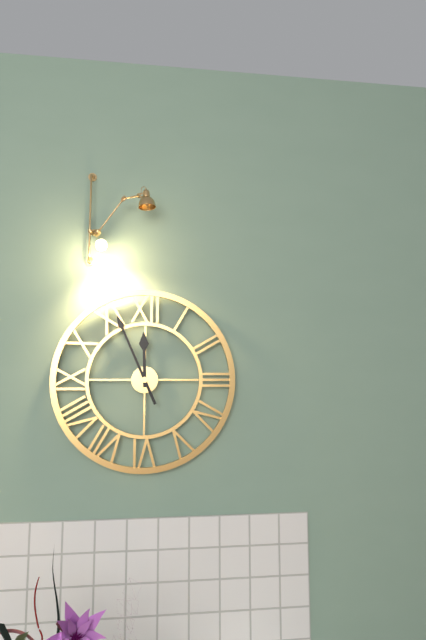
11:56
